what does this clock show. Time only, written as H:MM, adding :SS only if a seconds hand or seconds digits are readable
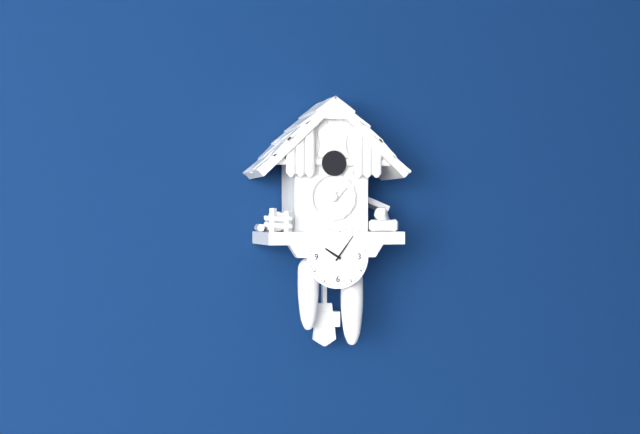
10:06
